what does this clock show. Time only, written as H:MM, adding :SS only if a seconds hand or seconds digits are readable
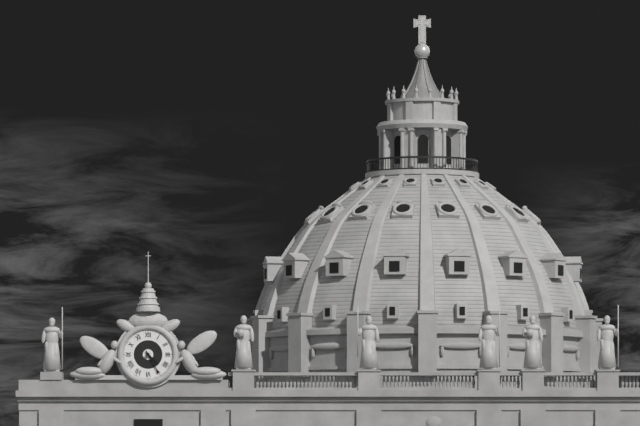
4:25
